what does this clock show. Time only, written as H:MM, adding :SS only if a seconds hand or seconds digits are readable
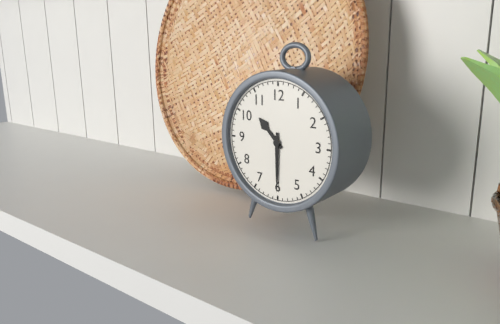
10:30
